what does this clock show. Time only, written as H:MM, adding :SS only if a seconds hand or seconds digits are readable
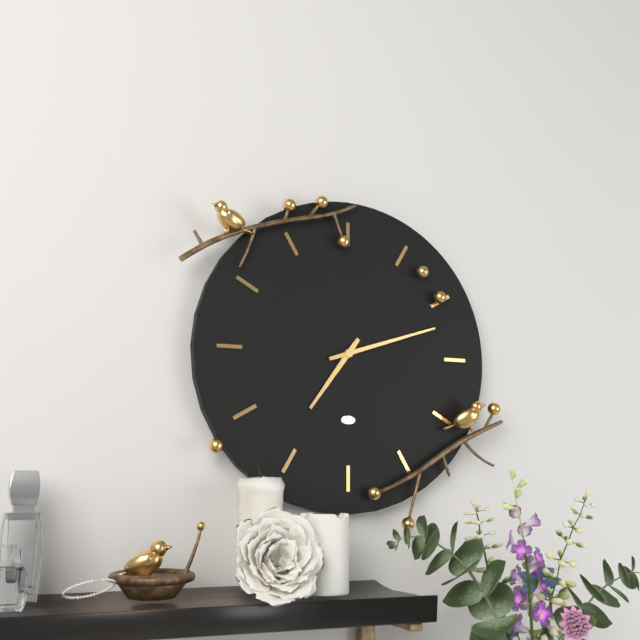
7:12
